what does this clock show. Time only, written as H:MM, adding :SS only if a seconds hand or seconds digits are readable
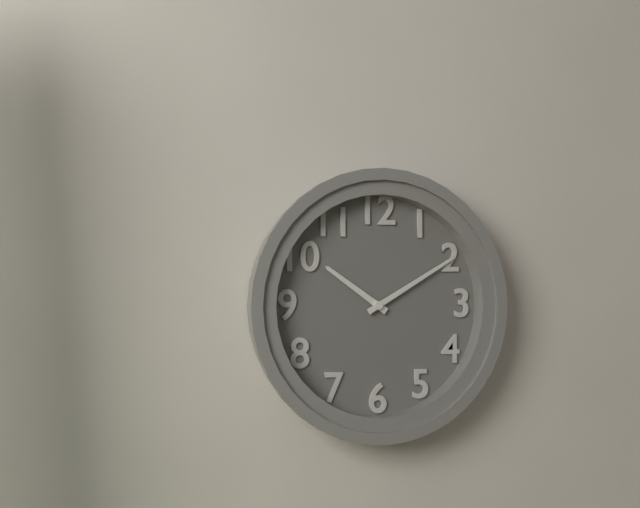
10:10
